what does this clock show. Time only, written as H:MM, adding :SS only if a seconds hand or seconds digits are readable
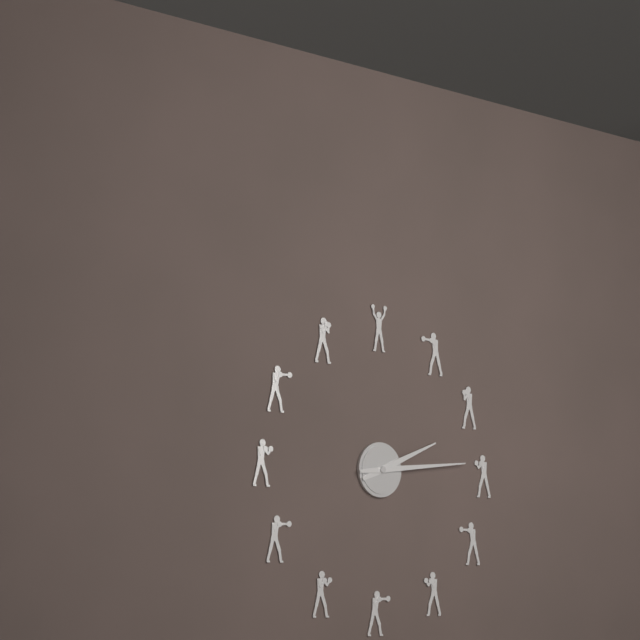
2:14
